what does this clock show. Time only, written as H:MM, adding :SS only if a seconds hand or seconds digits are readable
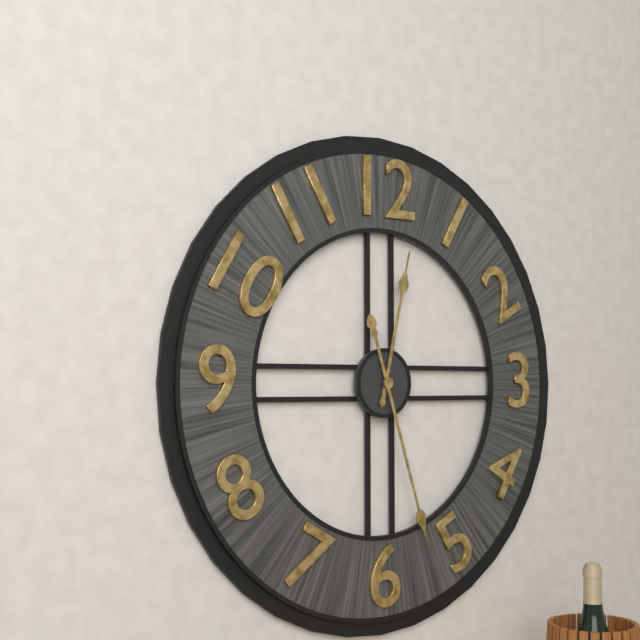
12:27
